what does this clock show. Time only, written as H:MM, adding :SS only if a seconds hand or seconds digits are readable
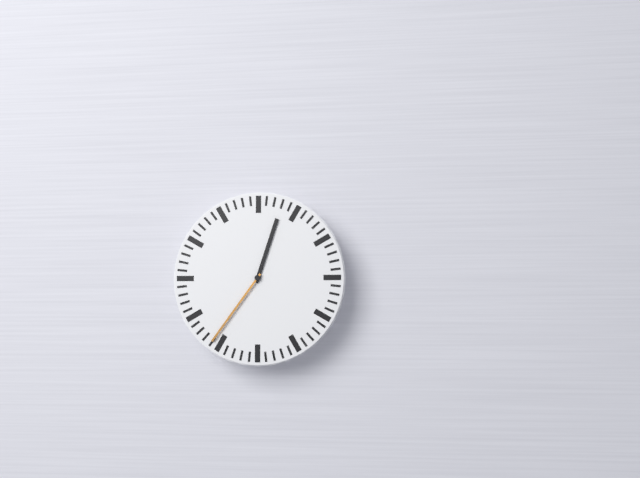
12:36
